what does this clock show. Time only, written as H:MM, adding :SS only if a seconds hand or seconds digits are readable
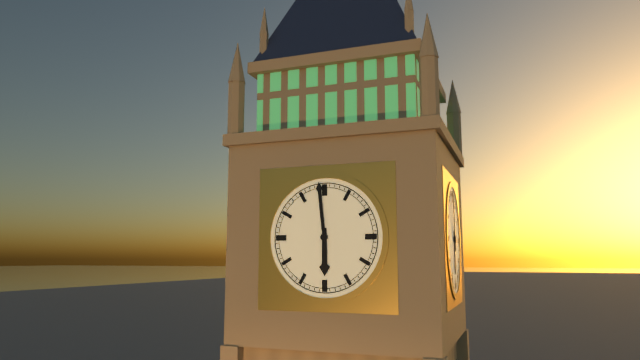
5:59
